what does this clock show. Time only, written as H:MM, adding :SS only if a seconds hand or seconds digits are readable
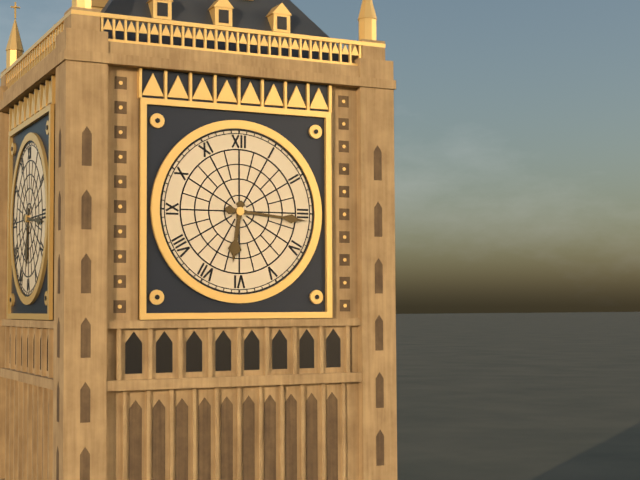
6:16
